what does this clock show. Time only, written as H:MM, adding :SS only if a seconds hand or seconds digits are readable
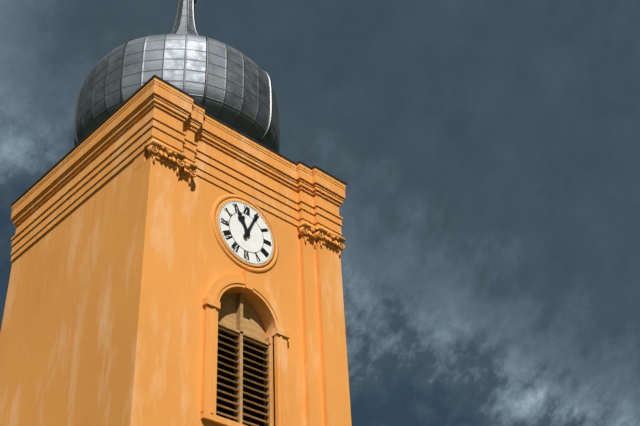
11:04
